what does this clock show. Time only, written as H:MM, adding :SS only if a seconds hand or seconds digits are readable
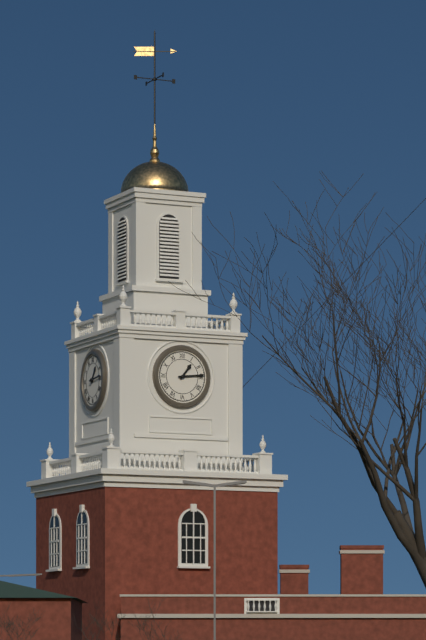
1:14
